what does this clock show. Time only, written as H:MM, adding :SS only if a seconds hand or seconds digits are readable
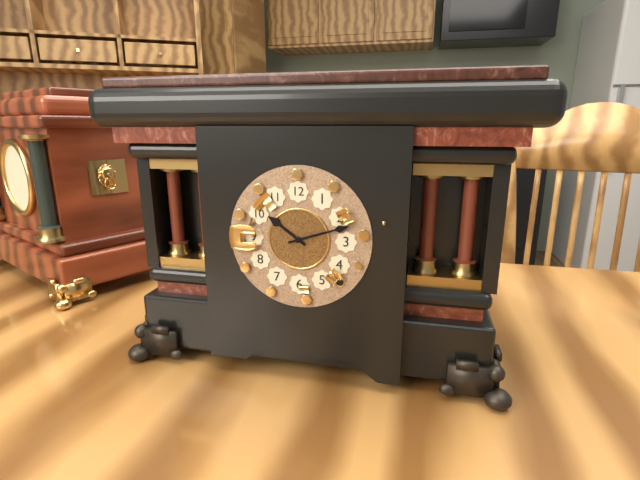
10:12
